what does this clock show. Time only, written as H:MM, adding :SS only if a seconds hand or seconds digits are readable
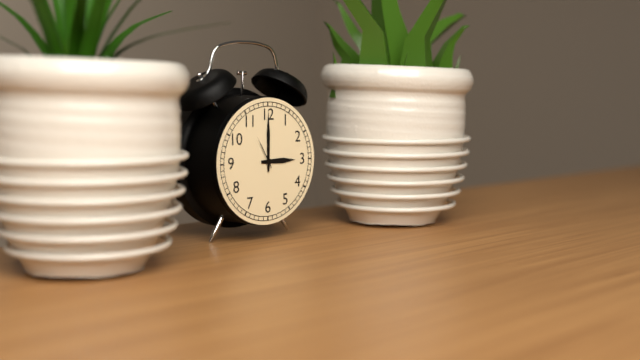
3:00
